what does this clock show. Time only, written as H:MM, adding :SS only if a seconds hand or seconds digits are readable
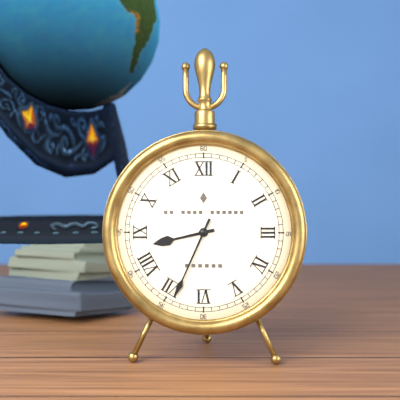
8:34
